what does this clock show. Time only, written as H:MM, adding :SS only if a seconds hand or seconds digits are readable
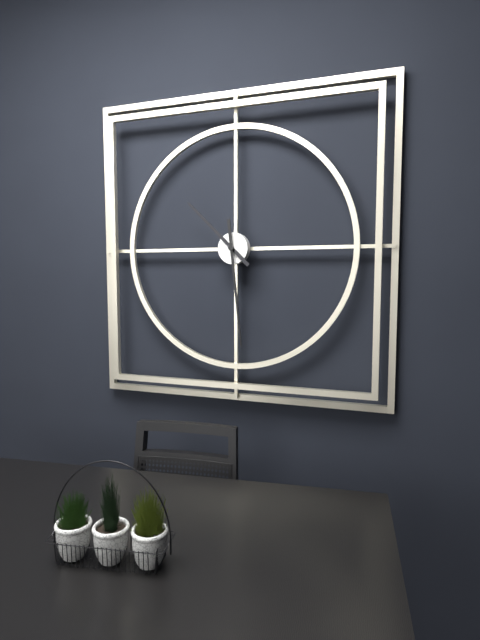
10:29
